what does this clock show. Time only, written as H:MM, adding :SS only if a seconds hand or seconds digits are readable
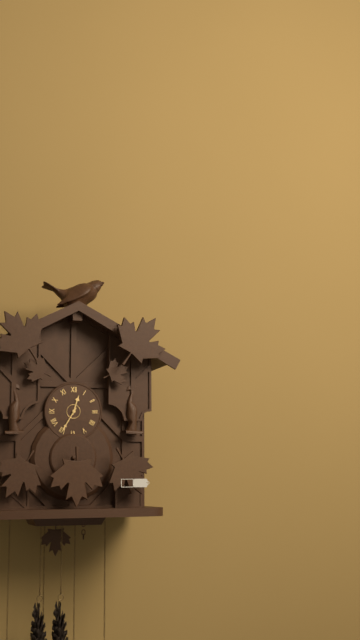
12:35
